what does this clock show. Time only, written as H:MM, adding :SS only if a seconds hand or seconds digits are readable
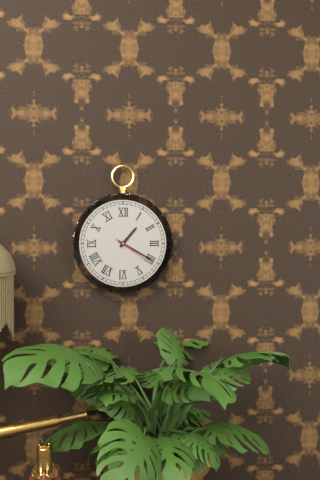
1:20
